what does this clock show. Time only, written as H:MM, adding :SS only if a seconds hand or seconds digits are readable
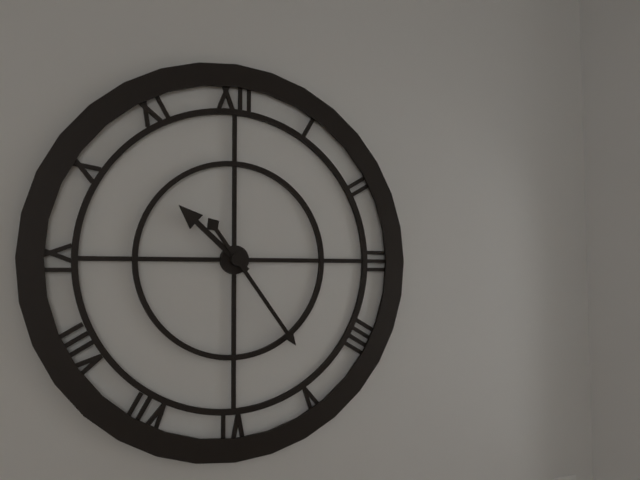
10:24
